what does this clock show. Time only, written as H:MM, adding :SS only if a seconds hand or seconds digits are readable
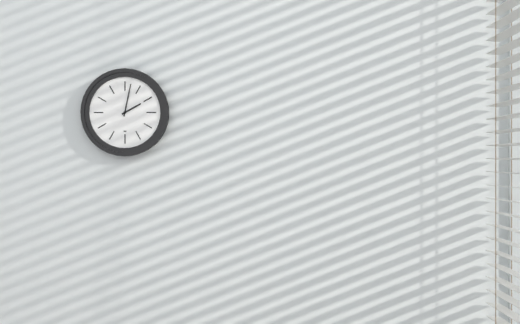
2:02
